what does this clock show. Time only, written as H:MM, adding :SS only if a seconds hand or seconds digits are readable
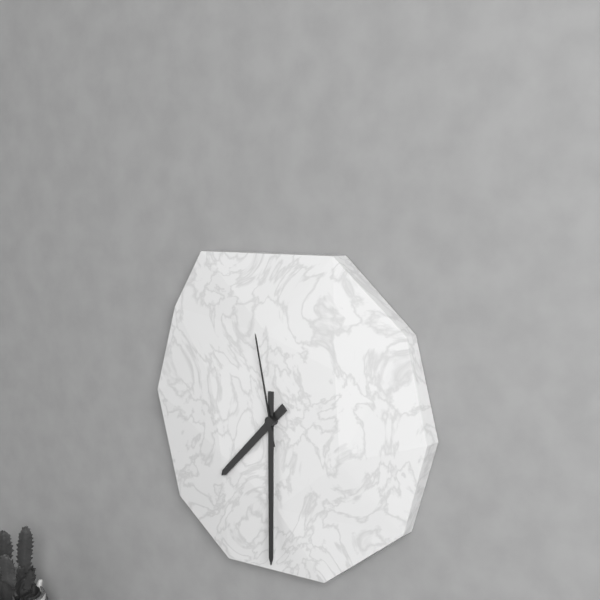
7:30:58
